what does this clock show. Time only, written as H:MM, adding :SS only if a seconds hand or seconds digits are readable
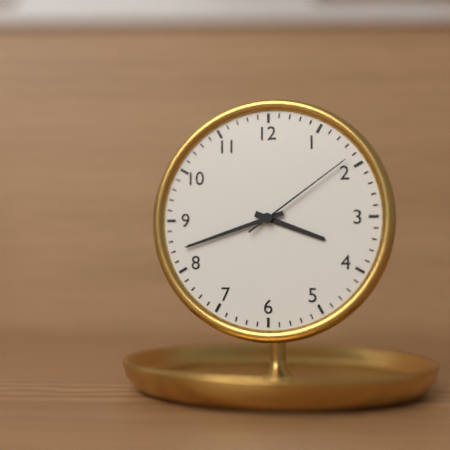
3:42:09
